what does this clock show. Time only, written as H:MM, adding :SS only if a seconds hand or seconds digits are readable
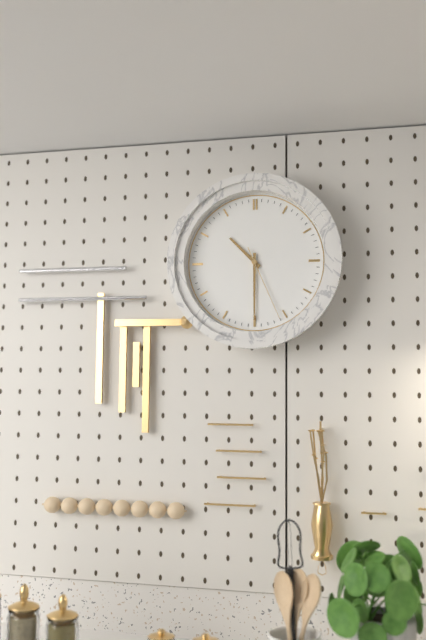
10:30:26
